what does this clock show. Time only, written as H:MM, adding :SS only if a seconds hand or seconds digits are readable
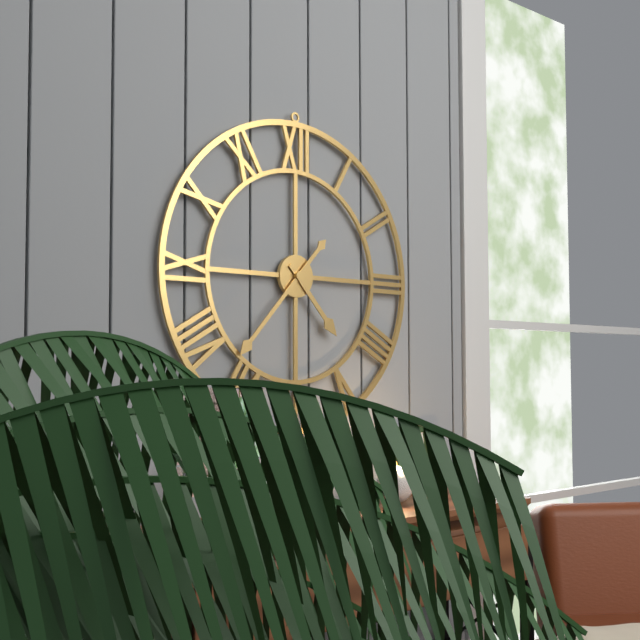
4:37
